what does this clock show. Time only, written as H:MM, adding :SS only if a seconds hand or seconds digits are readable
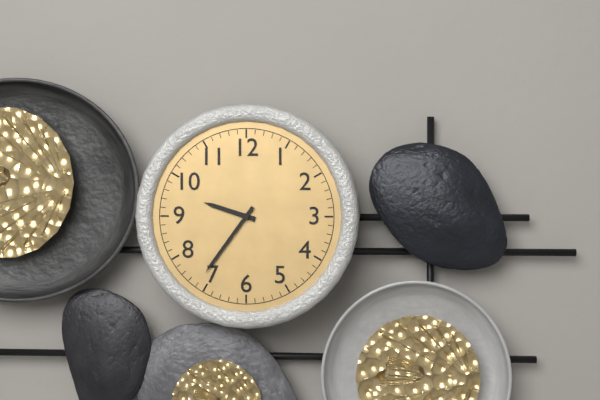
9:36
